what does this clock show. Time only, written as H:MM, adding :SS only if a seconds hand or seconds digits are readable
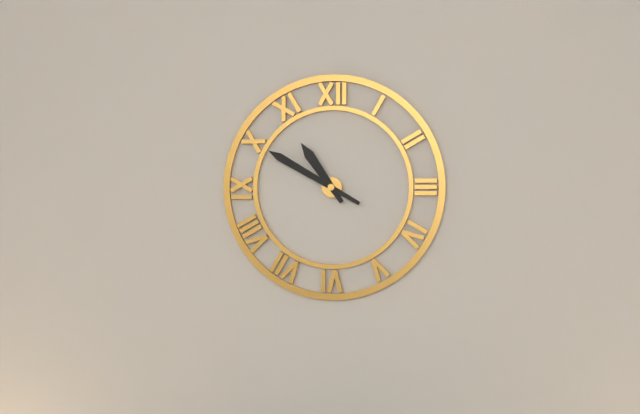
10:50
